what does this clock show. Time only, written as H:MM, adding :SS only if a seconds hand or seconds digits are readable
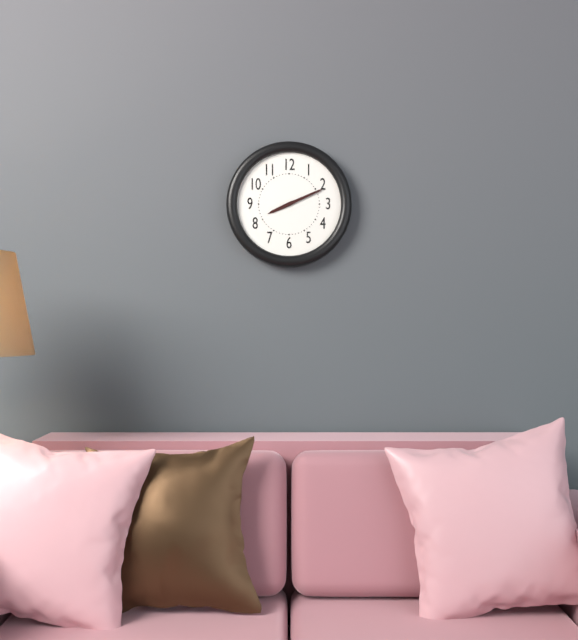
8:11
